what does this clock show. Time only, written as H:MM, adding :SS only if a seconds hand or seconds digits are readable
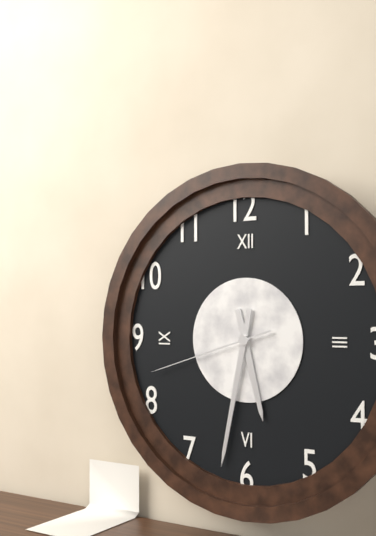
5:32:42
